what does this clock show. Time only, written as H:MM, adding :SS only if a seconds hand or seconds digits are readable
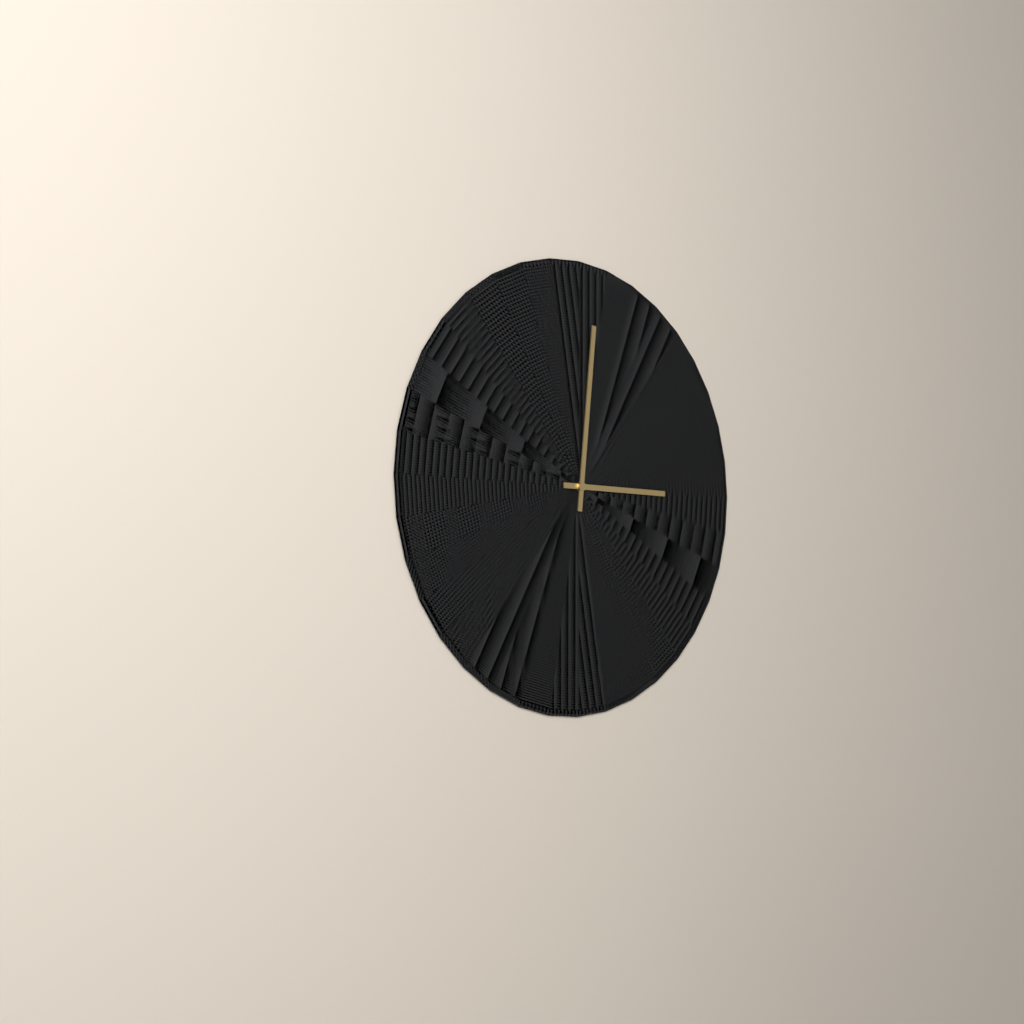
3:01
